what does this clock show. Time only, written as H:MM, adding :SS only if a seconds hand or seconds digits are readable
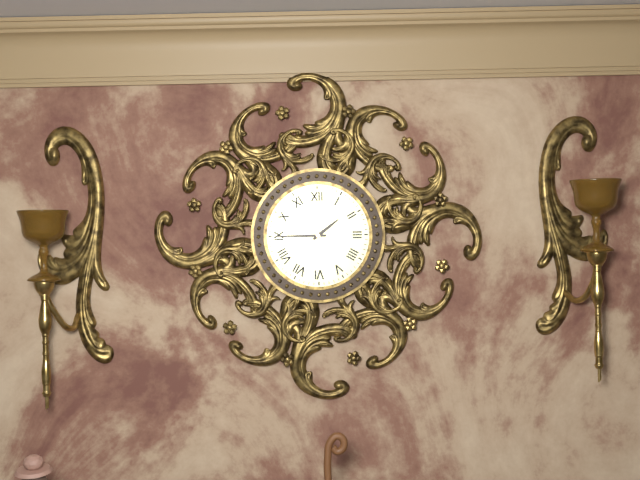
1:45
